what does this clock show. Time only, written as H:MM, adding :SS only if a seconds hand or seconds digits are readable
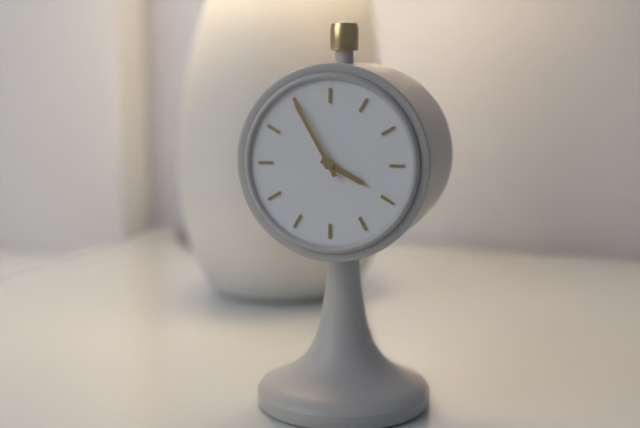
3:55
